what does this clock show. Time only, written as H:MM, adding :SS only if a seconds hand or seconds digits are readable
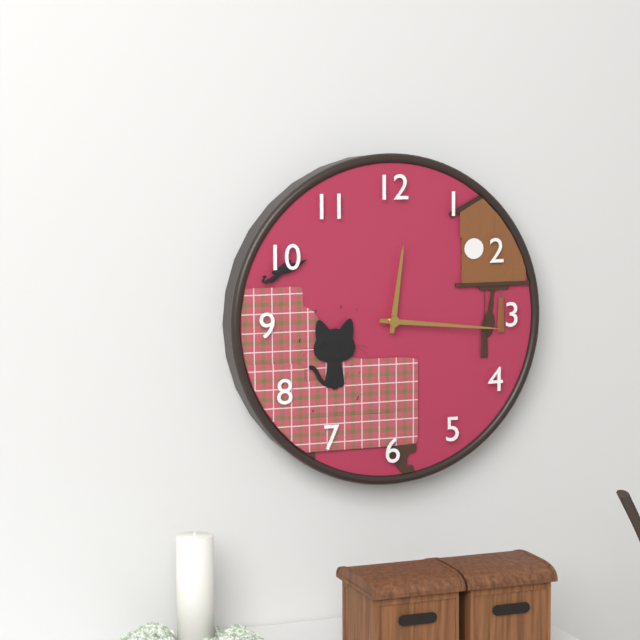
12:16
